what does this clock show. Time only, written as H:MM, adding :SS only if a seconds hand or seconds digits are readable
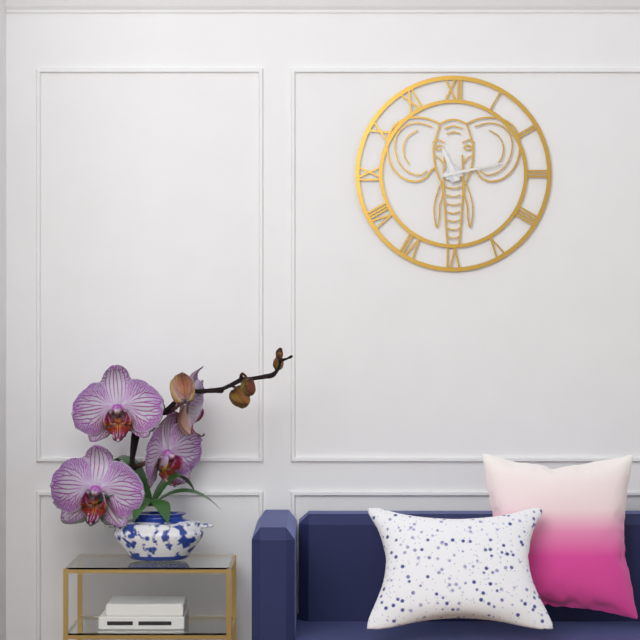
11:13
